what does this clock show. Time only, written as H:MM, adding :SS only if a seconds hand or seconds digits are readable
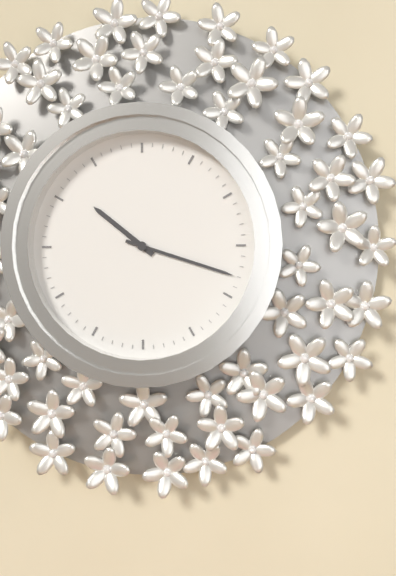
10:18
